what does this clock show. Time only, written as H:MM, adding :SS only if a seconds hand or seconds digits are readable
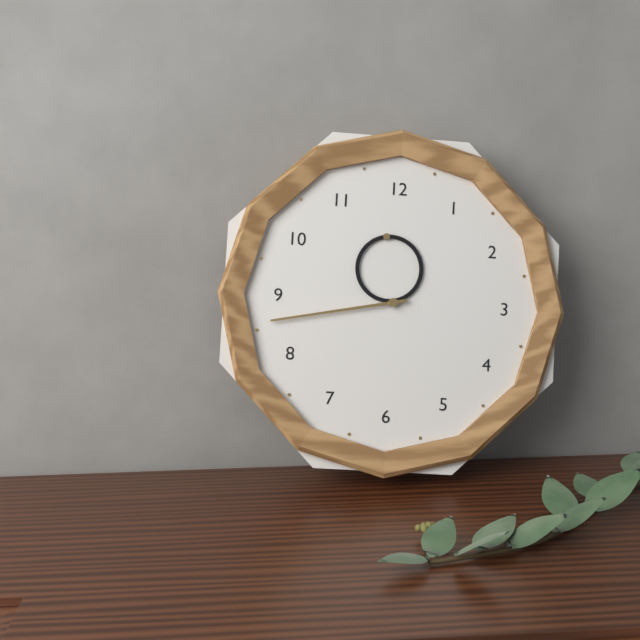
11:43
